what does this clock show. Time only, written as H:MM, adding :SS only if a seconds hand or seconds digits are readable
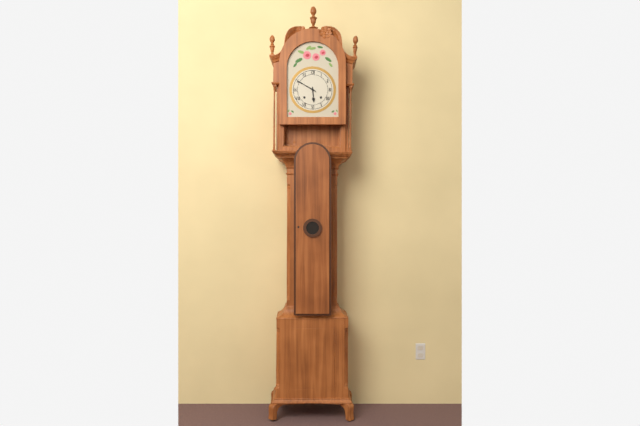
5:50
